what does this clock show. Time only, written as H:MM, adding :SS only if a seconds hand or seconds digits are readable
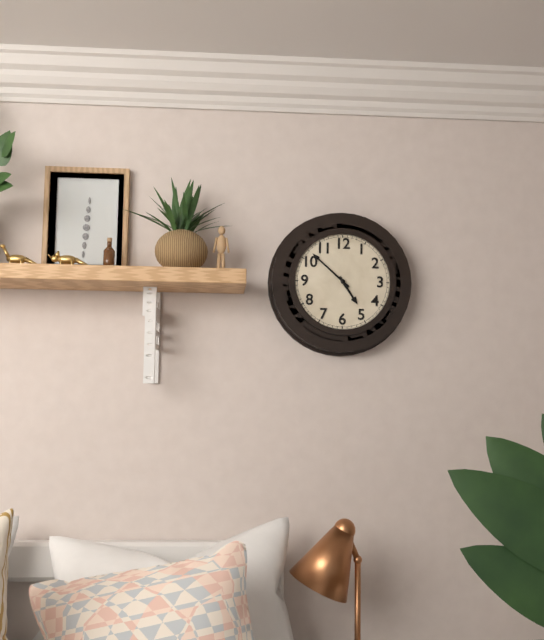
4:52
